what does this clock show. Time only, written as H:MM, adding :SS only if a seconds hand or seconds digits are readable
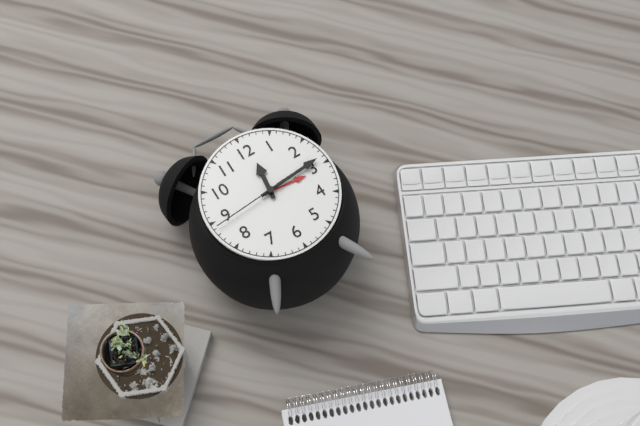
12:14:44
